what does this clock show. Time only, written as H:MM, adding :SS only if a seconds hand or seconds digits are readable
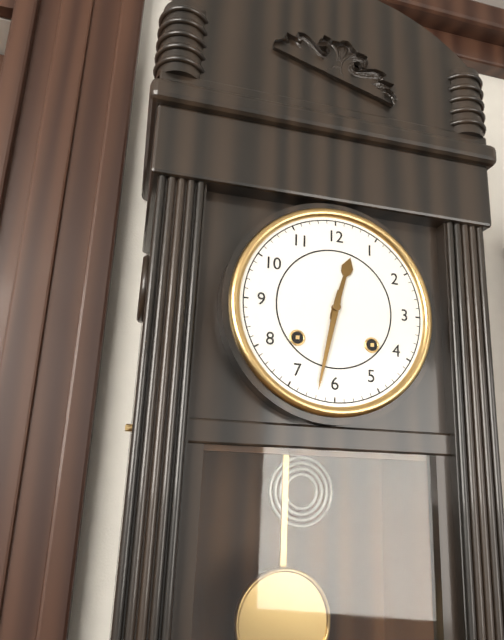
12:32
